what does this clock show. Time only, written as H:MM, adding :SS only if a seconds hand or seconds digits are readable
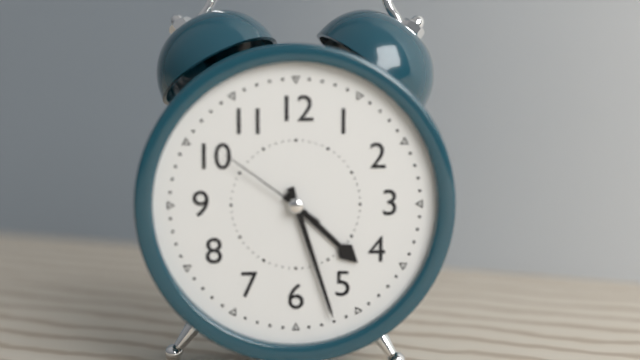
4:27:51
